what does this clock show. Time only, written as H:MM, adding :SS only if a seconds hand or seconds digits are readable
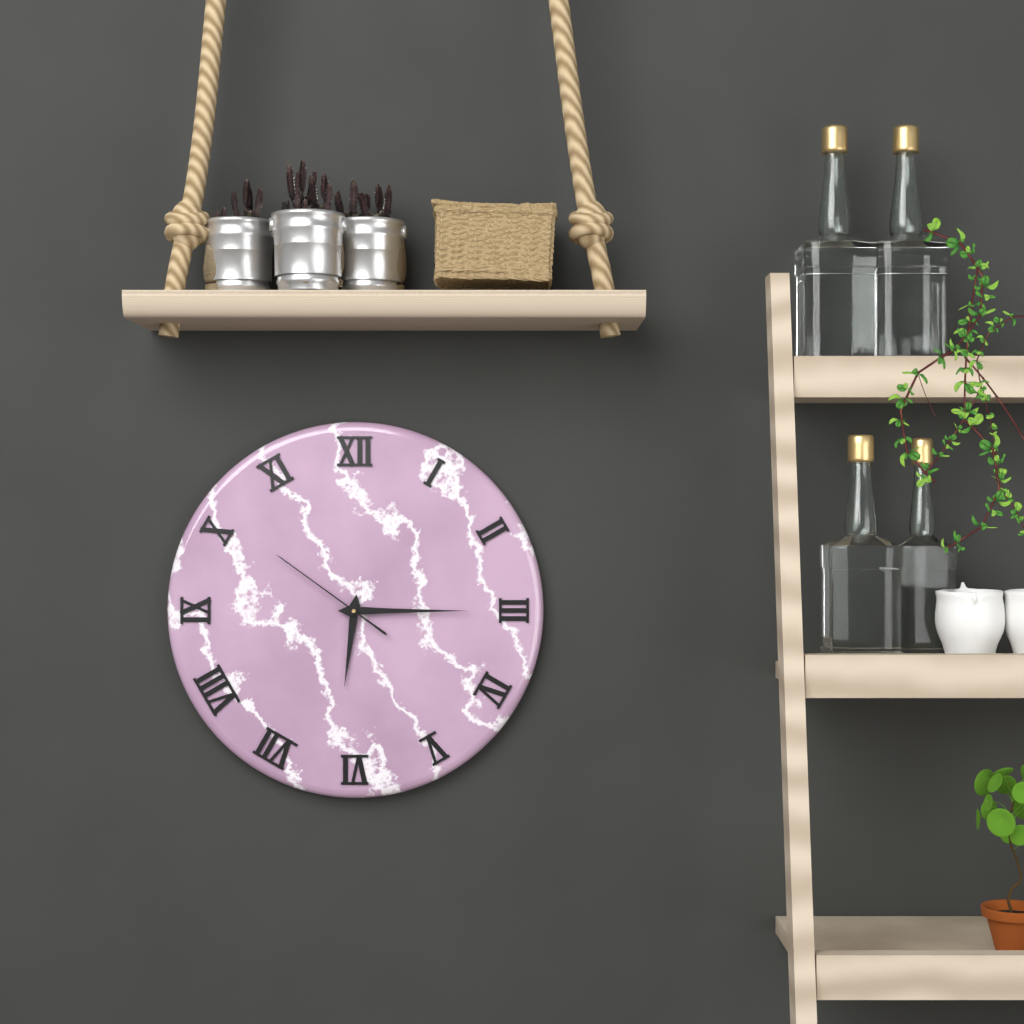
6:15:51
